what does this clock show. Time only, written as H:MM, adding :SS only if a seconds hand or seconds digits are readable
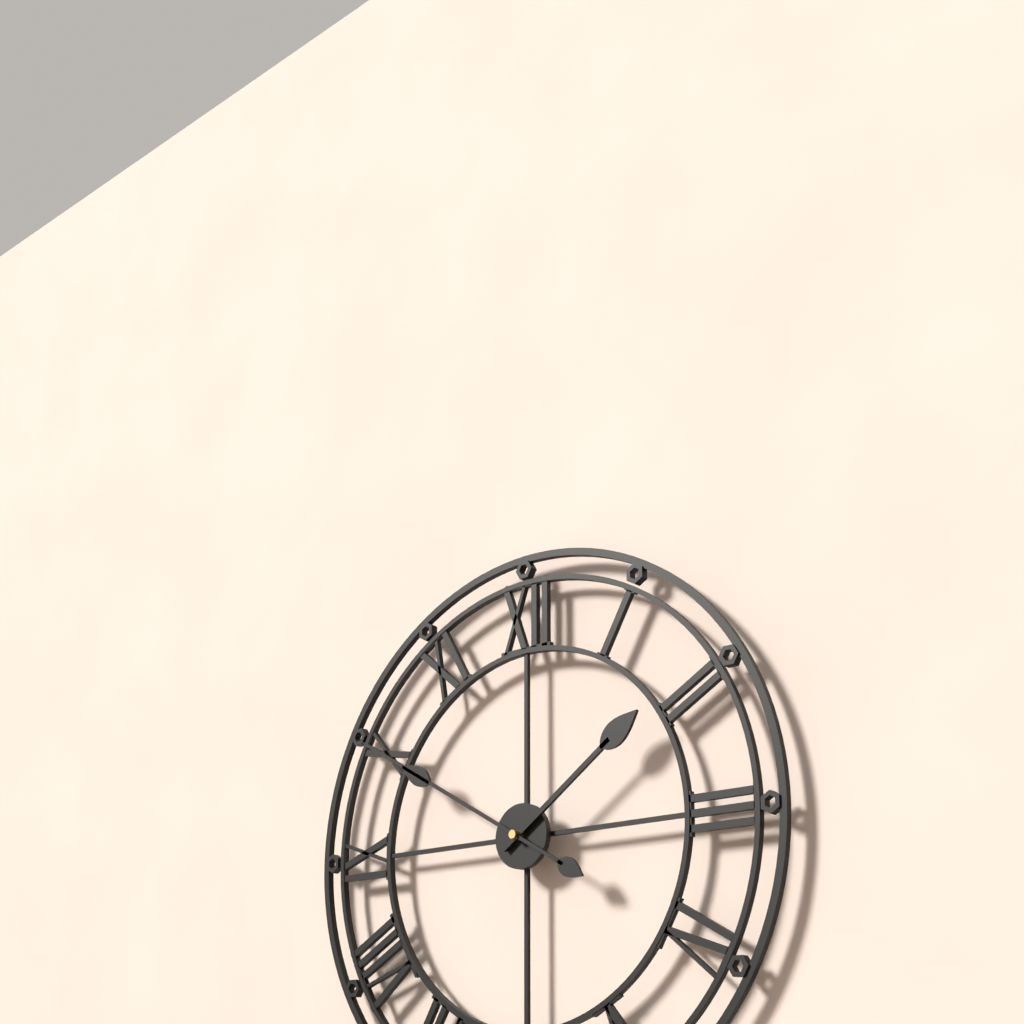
1:50
